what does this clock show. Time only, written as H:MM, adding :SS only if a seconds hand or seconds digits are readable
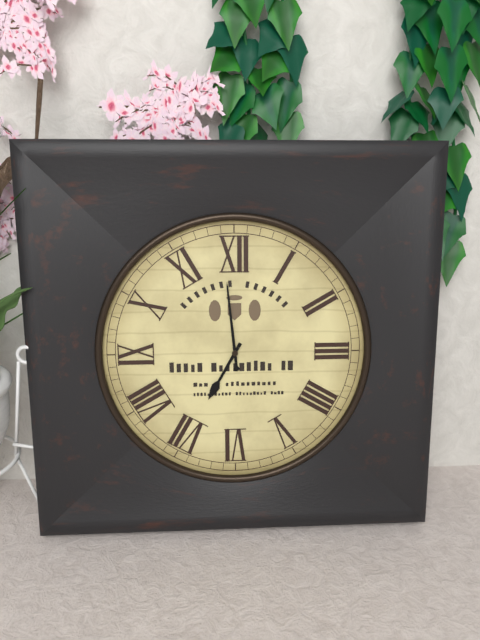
6:59
